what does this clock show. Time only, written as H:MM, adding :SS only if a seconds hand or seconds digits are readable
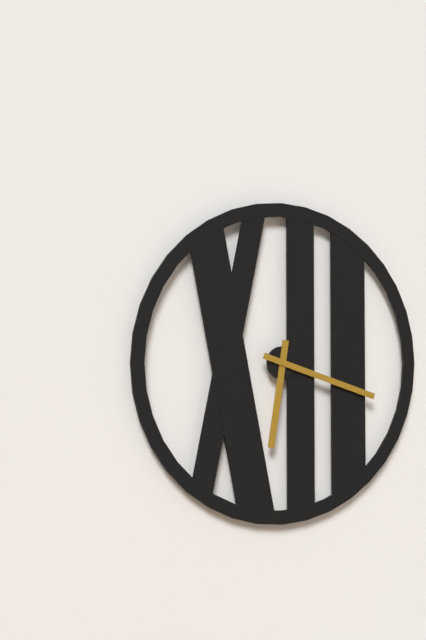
6:18
